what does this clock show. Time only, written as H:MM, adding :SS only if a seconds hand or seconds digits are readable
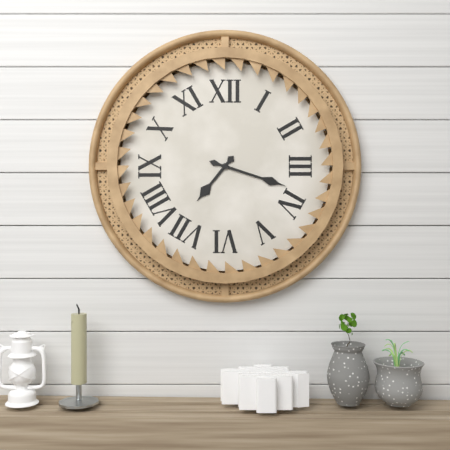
7:18
